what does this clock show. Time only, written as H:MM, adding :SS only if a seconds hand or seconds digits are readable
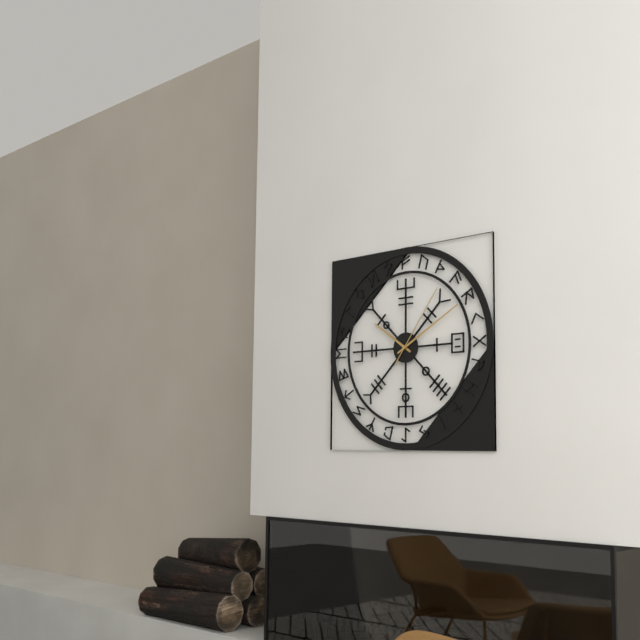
10:10:06
